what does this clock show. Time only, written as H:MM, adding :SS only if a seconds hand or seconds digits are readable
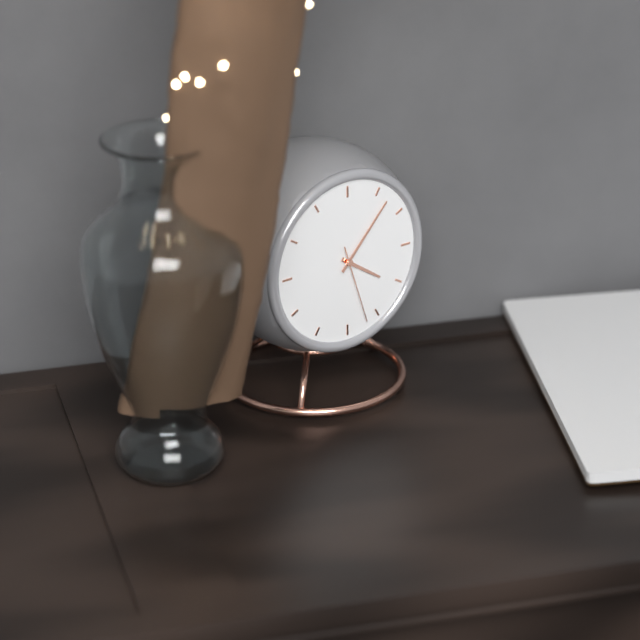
4:07:27
